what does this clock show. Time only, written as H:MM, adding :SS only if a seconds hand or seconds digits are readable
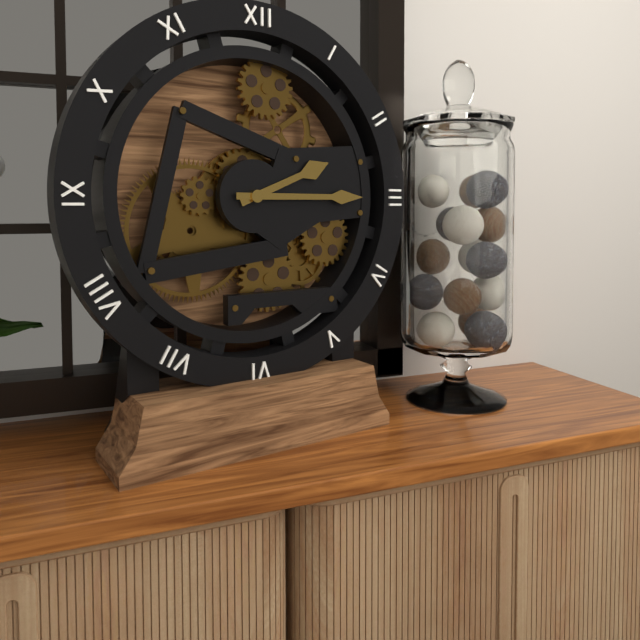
2:15
